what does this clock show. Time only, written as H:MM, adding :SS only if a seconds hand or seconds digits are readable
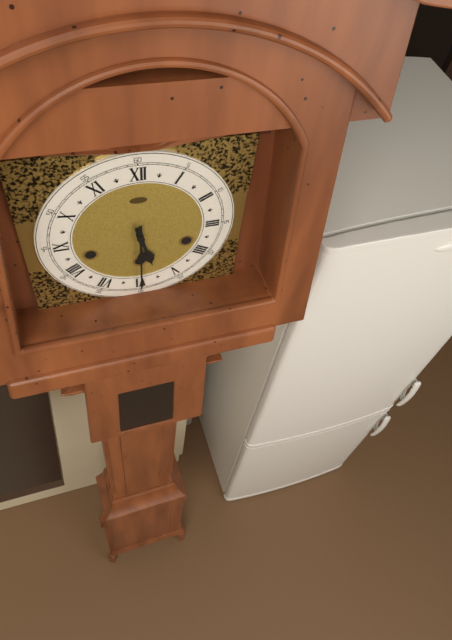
5:30
